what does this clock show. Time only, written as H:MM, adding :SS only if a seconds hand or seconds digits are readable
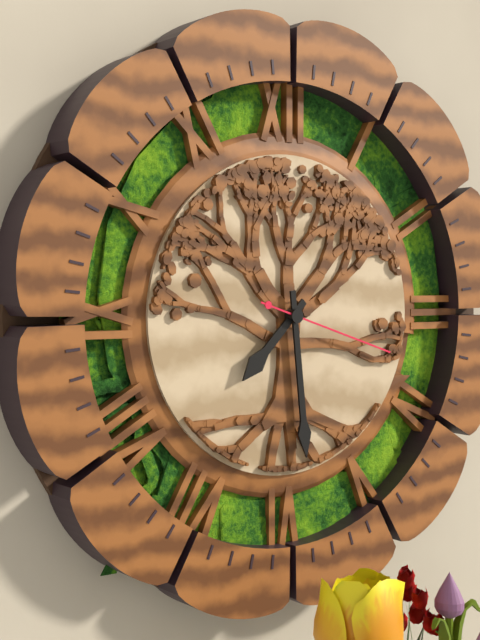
7:29:18
